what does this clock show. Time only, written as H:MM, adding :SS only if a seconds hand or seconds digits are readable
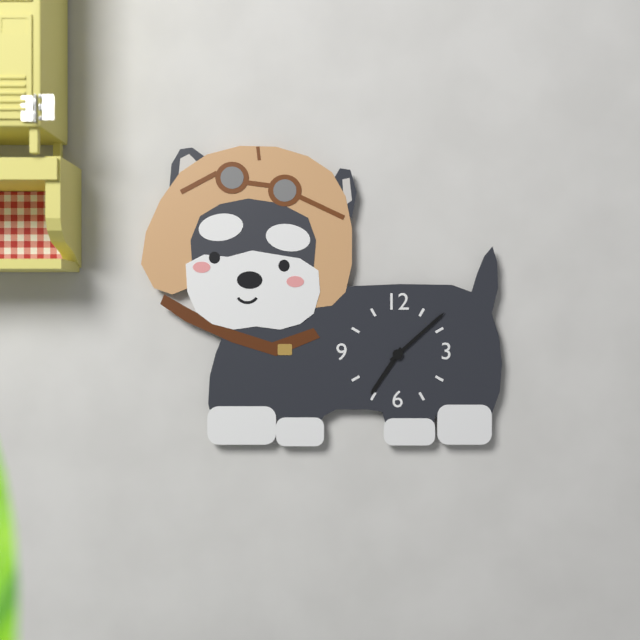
7:08
